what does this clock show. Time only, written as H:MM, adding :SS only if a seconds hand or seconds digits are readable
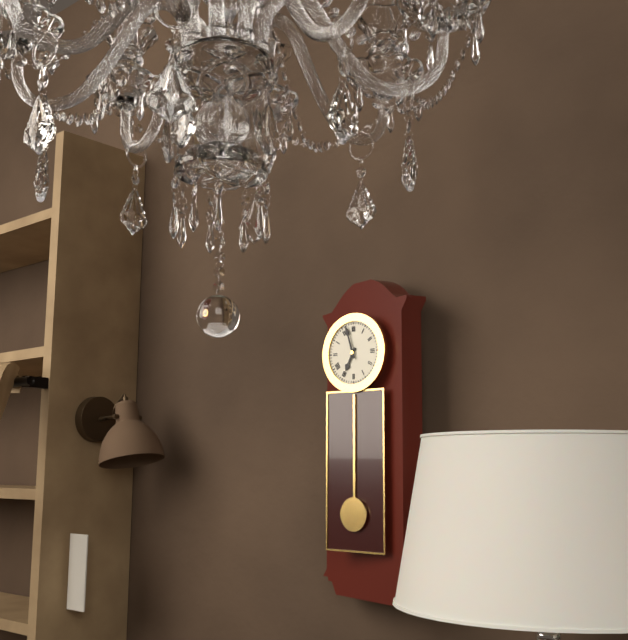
6:57
